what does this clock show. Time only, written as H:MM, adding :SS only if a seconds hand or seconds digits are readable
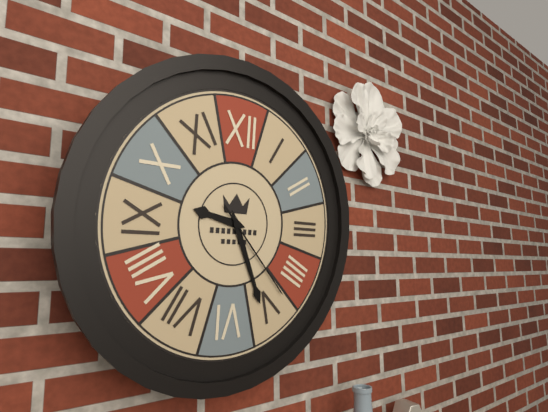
9:26:23
